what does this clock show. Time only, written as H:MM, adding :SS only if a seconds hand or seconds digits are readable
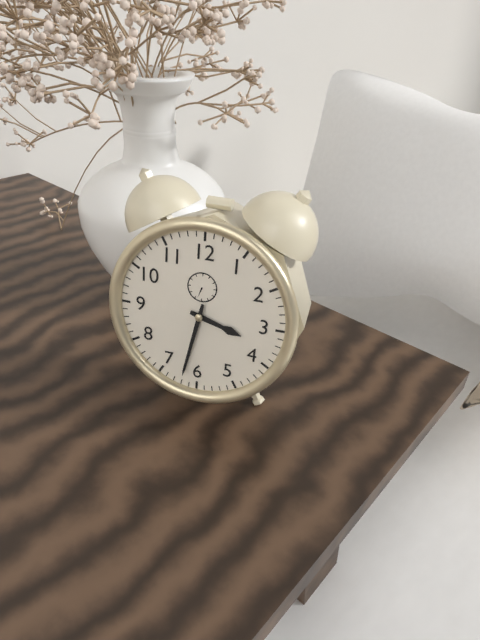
3:32
